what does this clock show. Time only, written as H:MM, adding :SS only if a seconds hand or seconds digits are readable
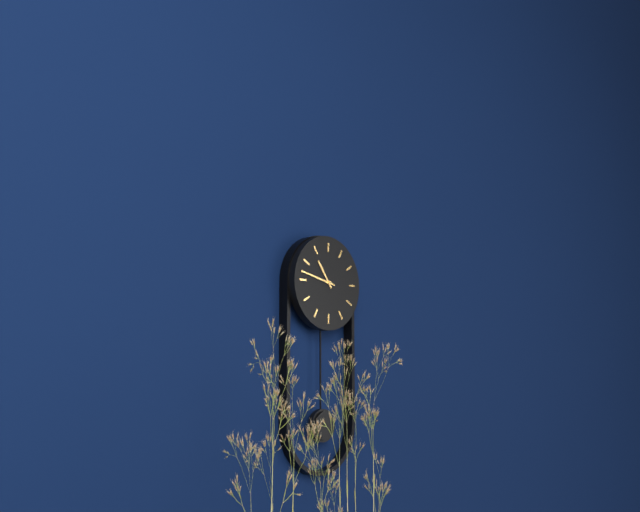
10:47
